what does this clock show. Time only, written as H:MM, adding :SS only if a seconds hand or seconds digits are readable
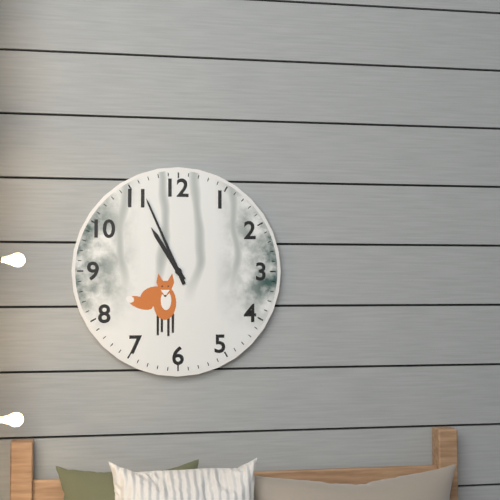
10:56
